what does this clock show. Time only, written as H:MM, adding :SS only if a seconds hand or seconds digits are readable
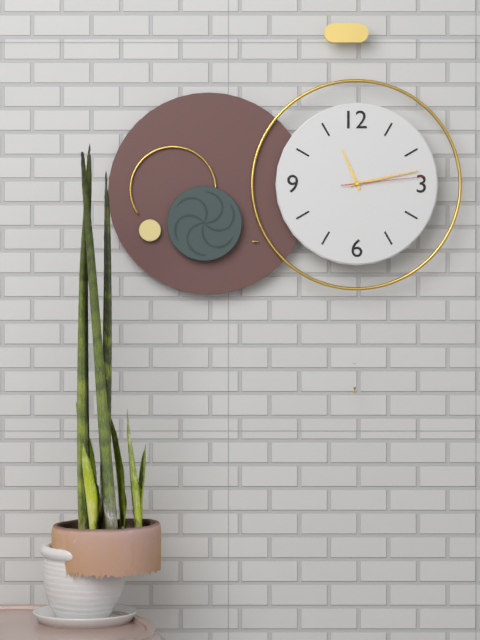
11:13:14
